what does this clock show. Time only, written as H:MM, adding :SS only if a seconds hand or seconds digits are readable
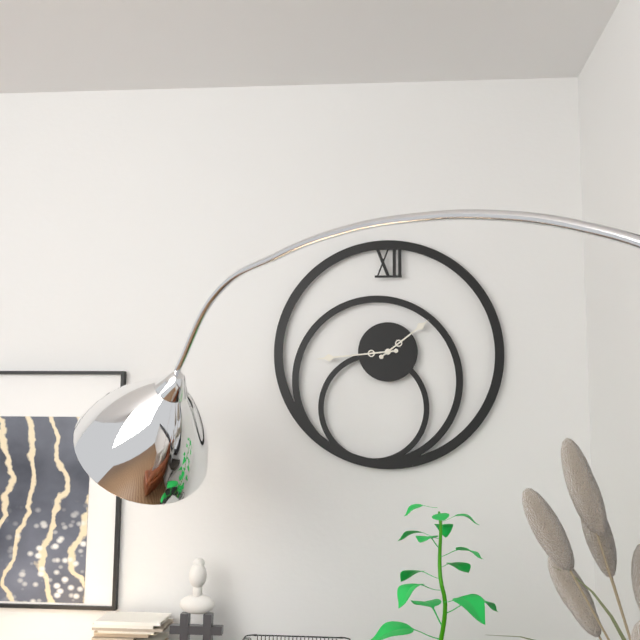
1:44
